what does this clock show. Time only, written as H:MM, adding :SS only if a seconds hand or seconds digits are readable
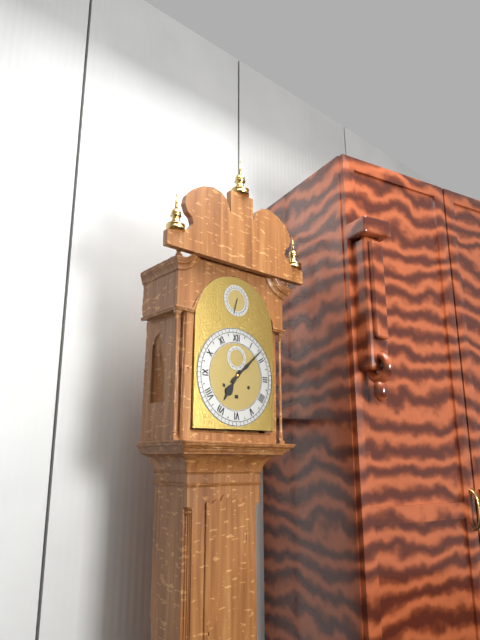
7:08
